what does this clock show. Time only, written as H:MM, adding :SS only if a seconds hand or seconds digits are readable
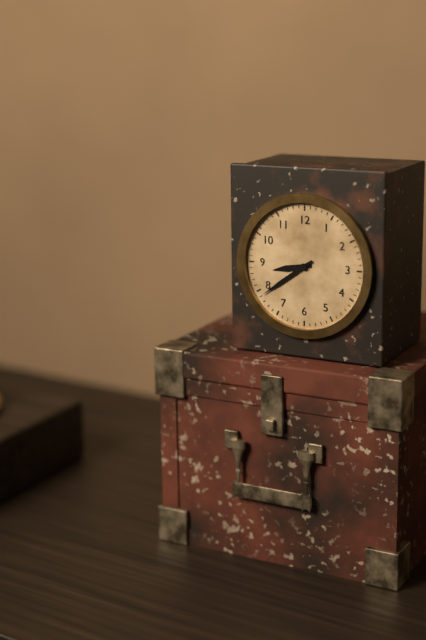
8:39
